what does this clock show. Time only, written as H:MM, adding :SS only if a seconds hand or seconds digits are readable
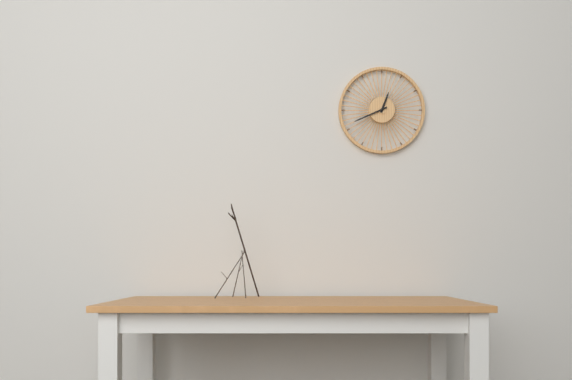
12:41
